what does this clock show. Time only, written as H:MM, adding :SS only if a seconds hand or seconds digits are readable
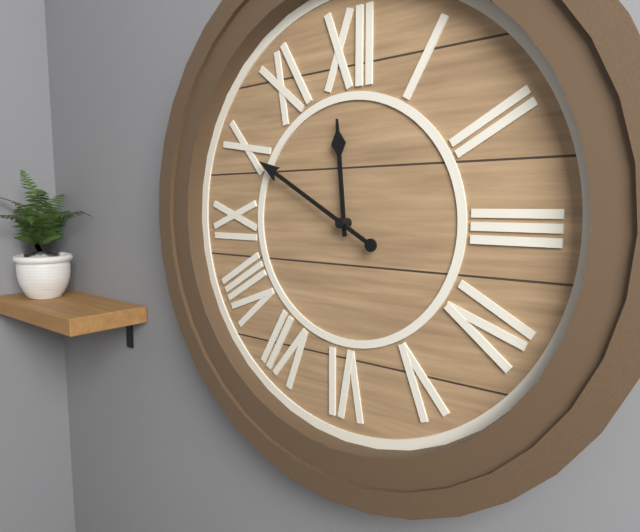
11:50
